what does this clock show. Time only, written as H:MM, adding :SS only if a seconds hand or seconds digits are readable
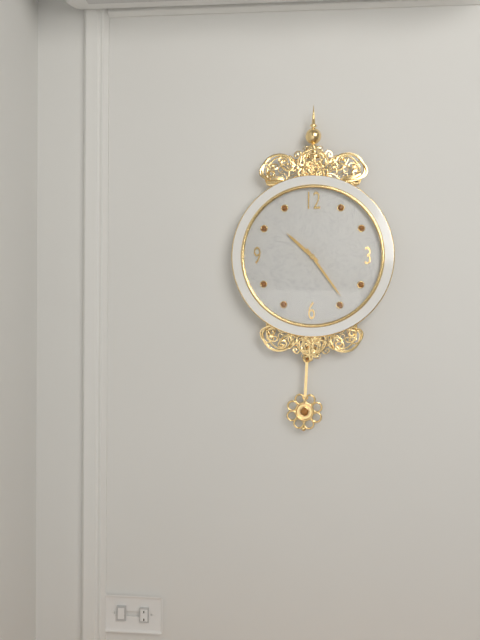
10:24
